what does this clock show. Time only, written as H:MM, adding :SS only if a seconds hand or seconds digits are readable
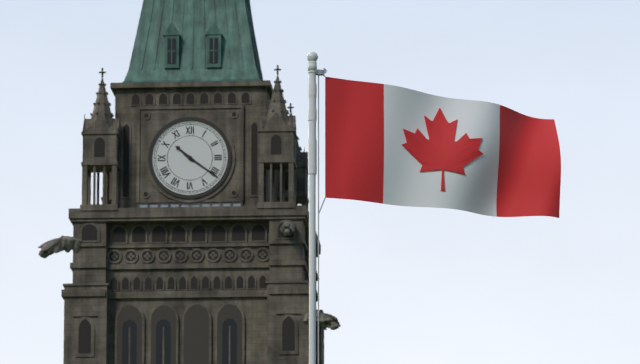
10:21
